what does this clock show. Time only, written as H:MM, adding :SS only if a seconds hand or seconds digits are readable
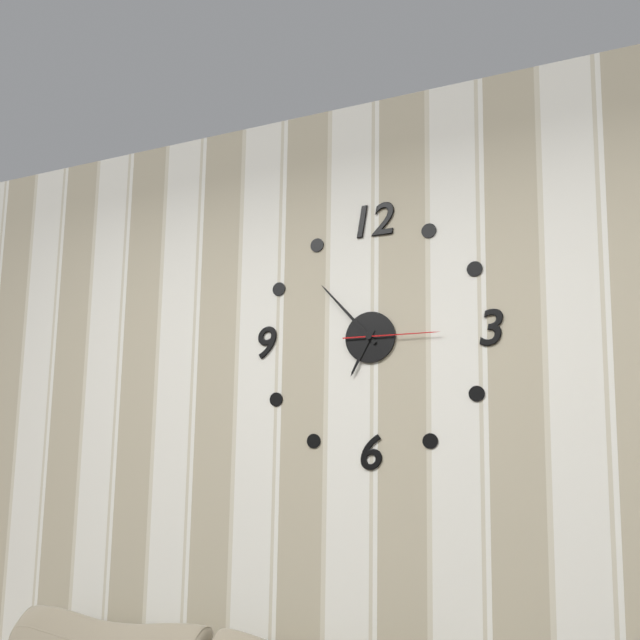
6:53:15
